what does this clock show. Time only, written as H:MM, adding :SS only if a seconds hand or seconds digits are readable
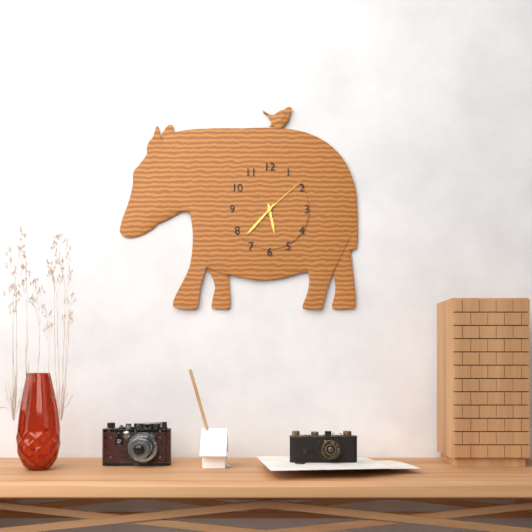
5:37:08
